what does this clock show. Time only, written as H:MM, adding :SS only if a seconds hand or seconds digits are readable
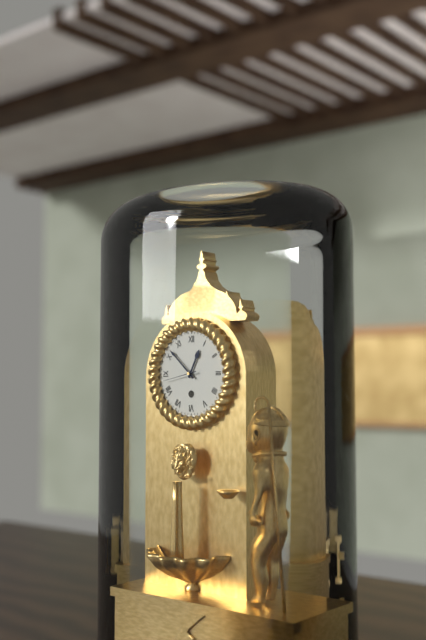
12:52
